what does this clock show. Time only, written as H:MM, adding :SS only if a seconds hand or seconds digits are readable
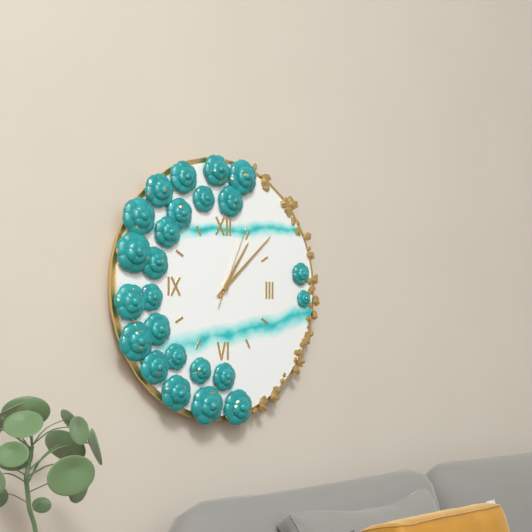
1:08:04
